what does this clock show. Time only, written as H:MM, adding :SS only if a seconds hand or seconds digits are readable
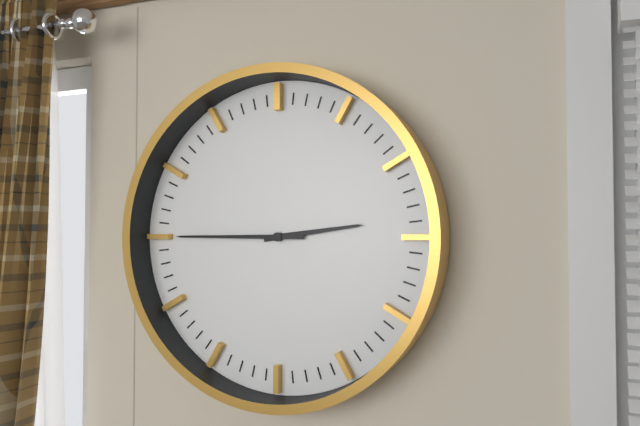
2:45
